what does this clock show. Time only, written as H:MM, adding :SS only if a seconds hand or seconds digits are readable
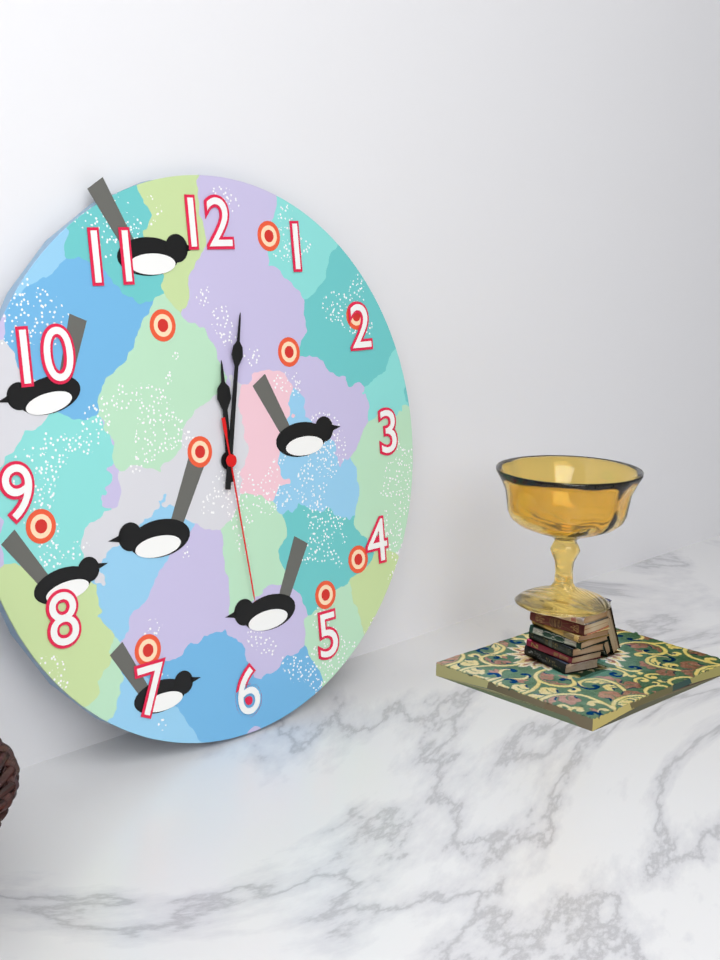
12:02:29
